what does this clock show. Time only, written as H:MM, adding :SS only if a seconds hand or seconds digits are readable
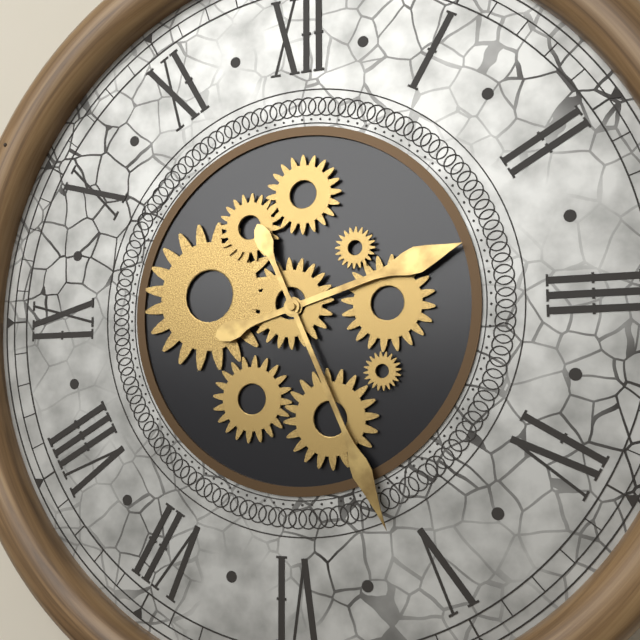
2:26
